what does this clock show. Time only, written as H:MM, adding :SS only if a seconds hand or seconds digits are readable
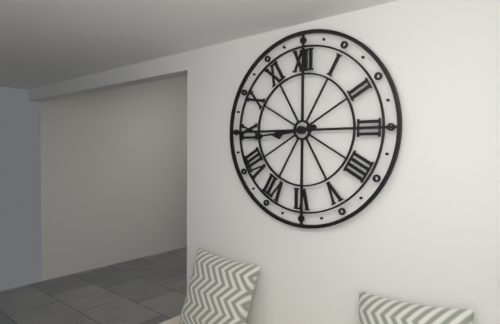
8:44
